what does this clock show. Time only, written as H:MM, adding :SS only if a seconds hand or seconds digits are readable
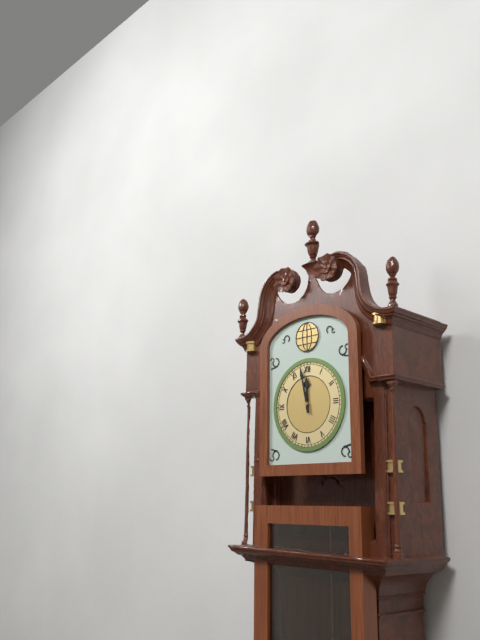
11:58
